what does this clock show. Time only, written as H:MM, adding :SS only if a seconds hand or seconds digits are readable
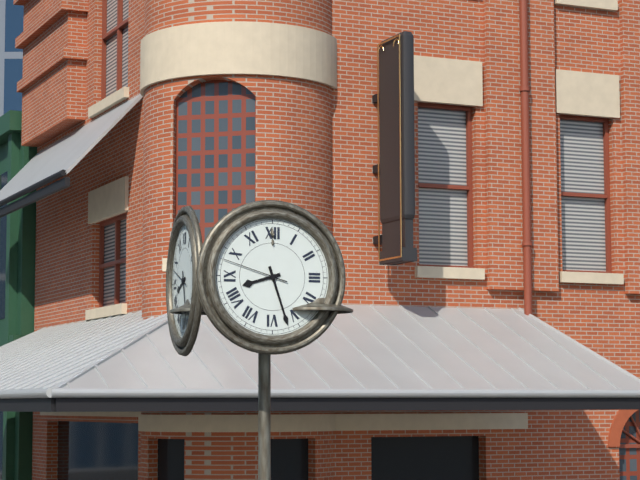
8:27:48
